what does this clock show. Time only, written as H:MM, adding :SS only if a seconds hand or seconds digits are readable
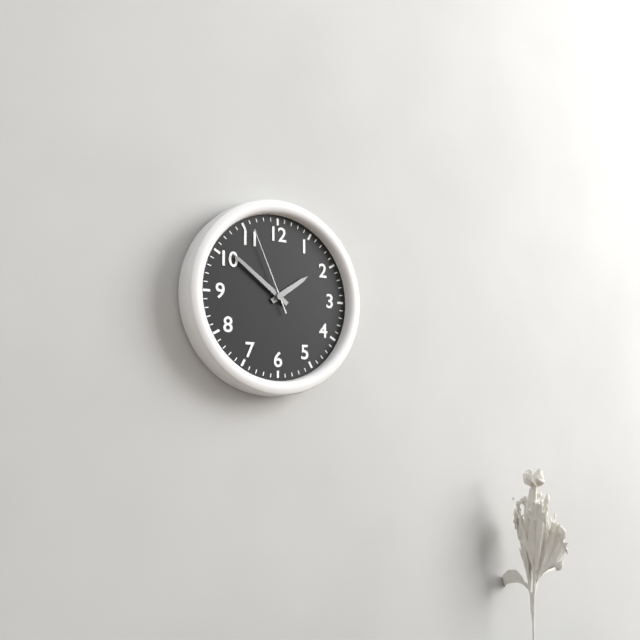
1:51:56
